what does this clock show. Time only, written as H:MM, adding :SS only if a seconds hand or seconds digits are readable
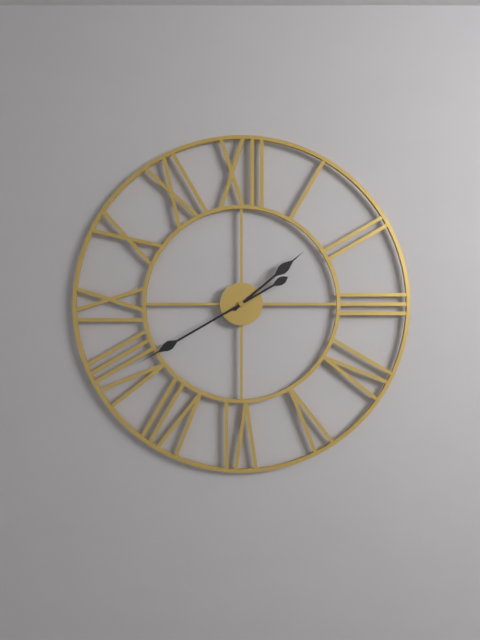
1:40
